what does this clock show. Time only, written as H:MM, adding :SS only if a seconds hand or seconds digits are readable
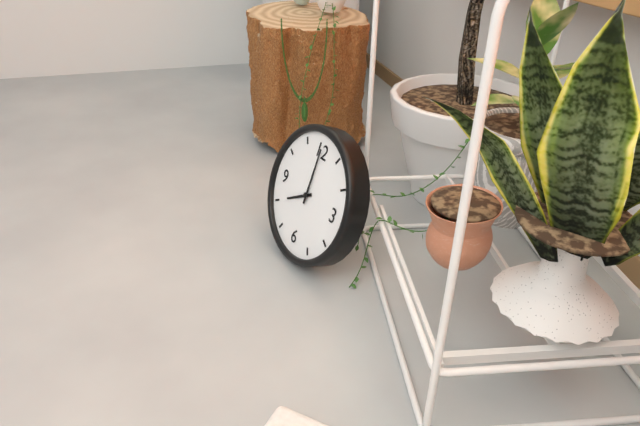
8:00
